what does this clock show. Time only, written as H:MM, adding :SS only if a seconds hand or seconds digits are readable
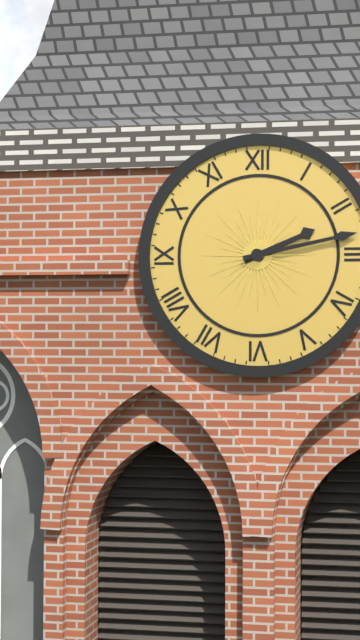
2:13
